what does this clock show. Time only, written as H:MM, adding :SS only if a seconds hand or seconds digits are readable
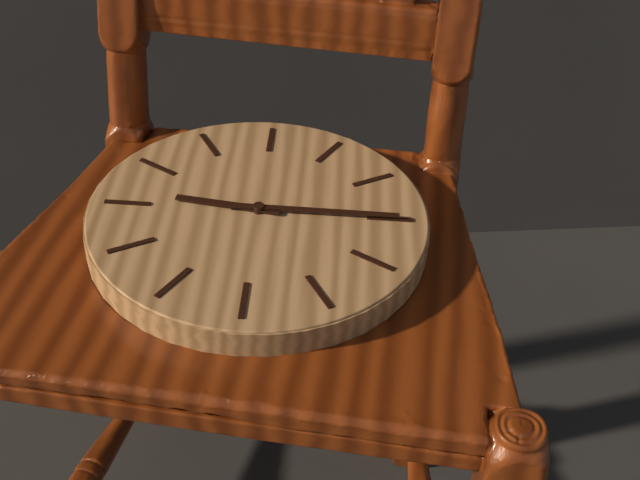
9:15
